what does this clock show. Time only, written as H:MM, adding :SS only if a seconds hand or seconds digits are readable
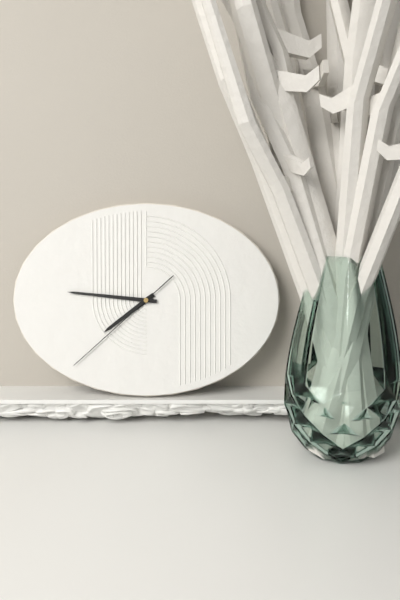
7:46:38
